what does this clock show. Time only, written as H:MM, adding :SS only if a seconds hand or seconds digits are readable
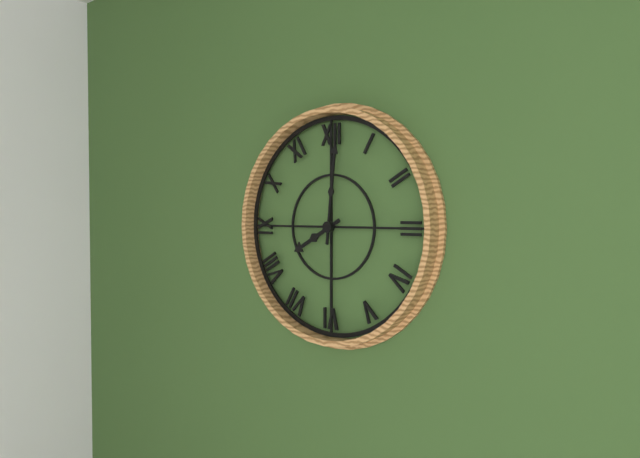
8:01
